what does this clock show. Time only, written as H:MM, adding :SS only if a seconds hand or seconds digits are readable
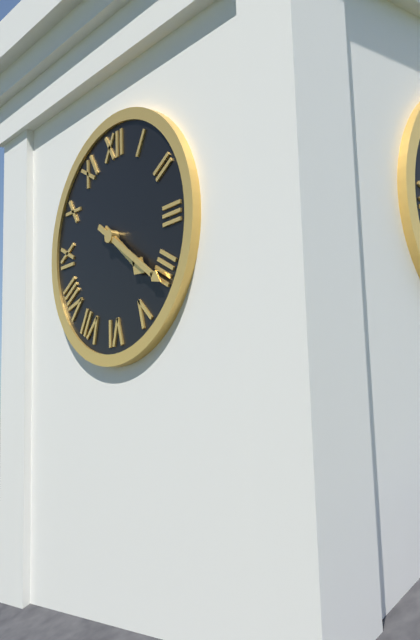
4:21
